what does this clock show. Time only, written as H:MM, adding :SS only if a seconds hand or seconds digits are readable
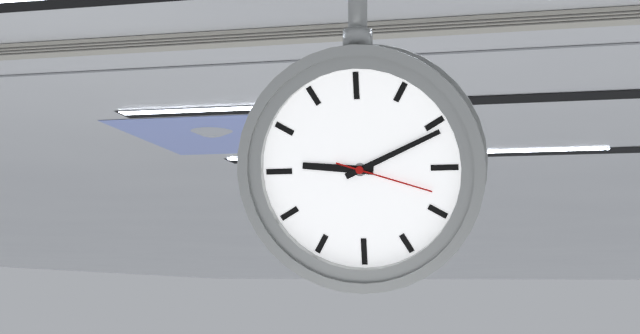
9:11:18
